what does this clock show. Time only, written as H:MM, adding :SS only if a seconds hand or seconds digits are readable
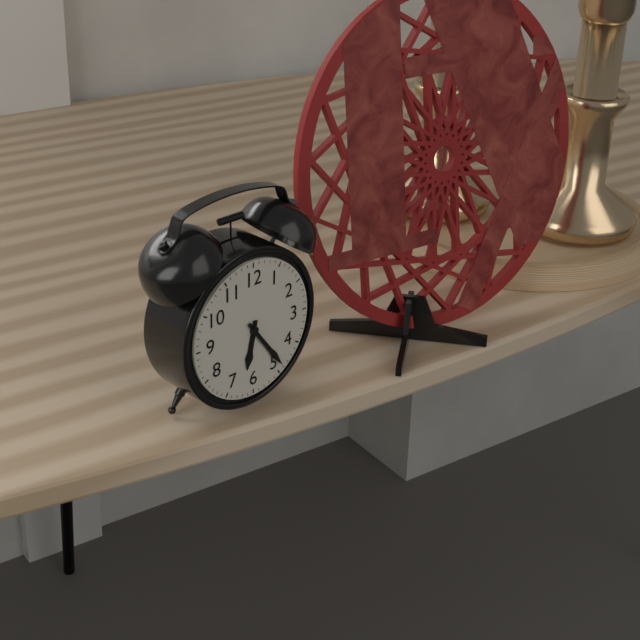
6:24
